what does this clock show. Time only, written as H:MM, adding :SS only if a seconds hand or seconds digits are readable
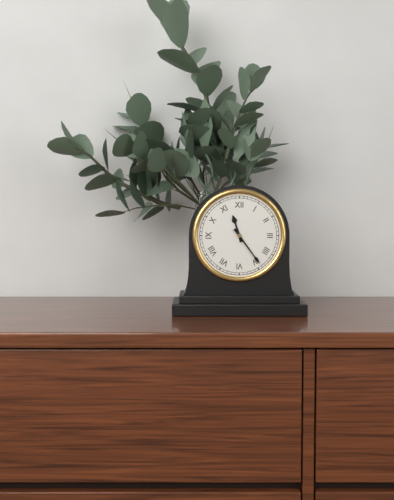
11:24
